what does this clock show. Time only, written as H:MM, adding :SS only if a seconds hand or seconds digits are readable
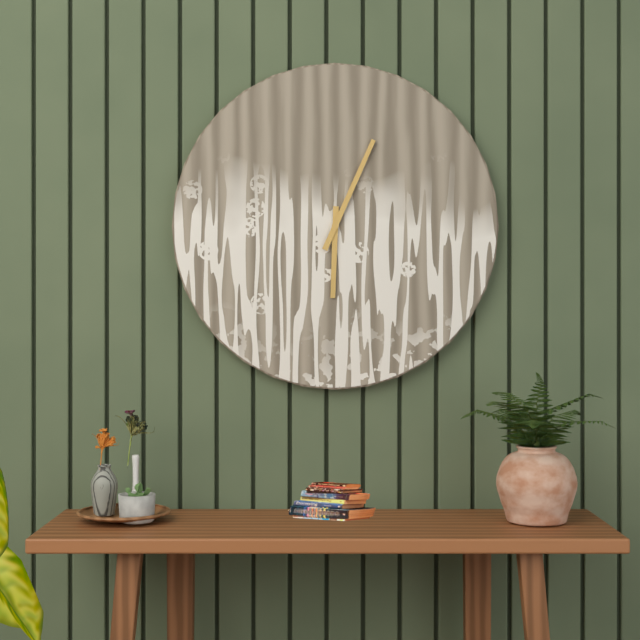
6:04
